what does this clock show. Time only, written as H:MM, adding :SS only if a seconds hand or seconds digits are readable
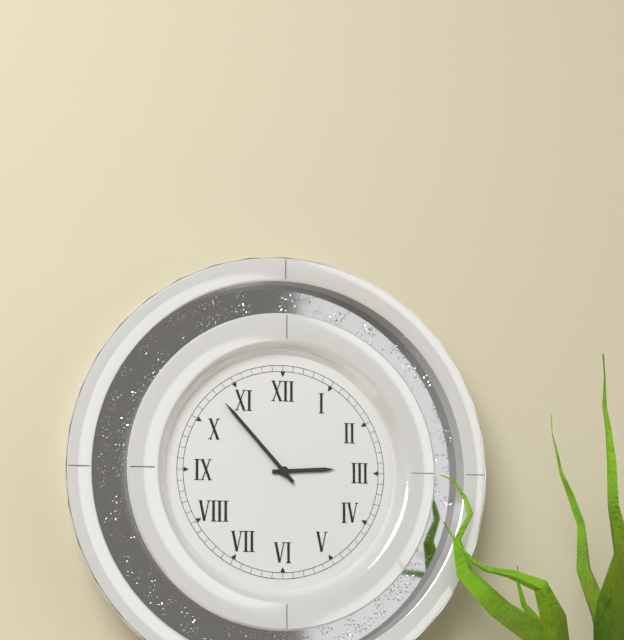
2:53
